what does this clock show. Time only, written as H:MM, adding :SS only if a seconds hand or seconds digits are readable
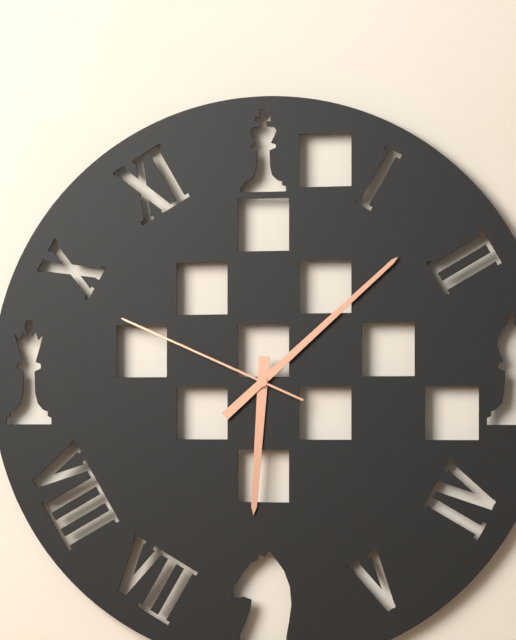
6:08:49
